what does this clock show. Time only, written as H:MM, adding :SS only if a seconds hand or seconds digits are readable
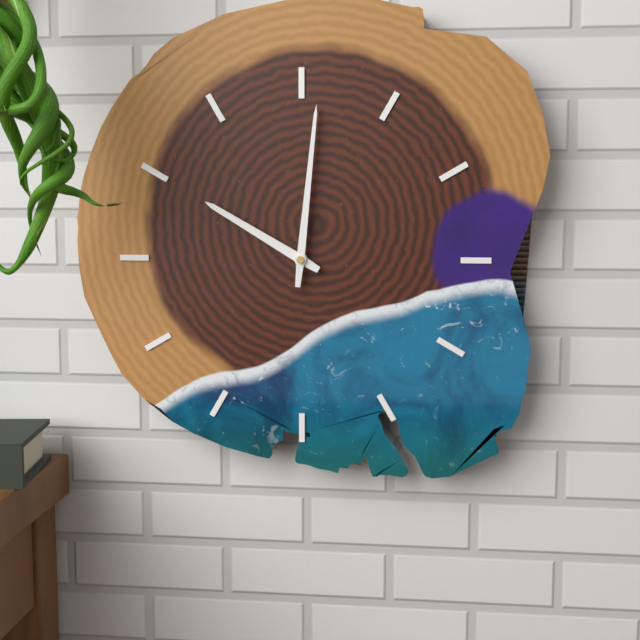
10:01
